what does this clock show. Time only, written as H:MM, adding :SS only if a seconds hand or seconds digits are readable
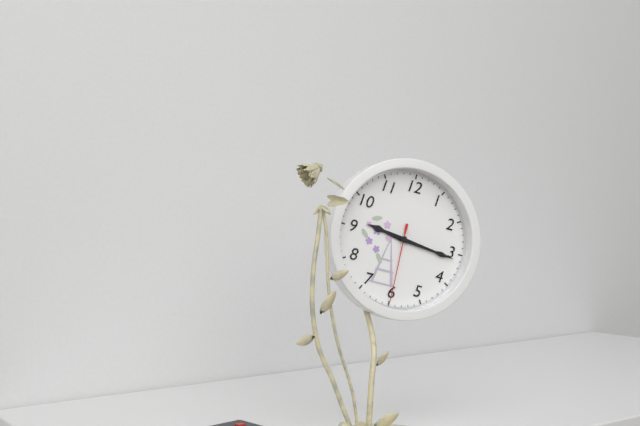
9:16:30
